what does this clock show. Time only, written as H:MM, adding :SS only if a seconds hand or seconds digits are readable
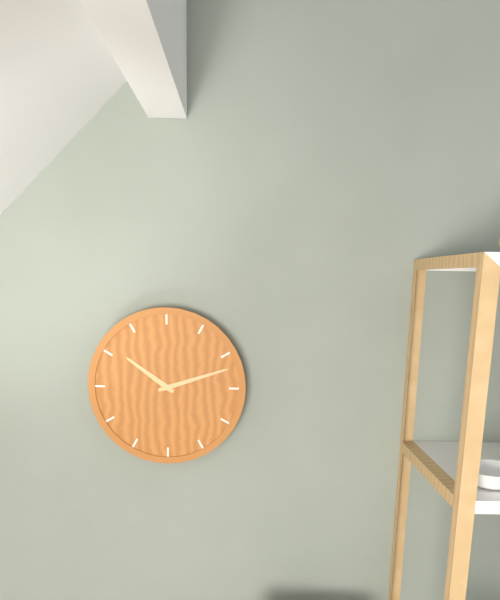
10:12
